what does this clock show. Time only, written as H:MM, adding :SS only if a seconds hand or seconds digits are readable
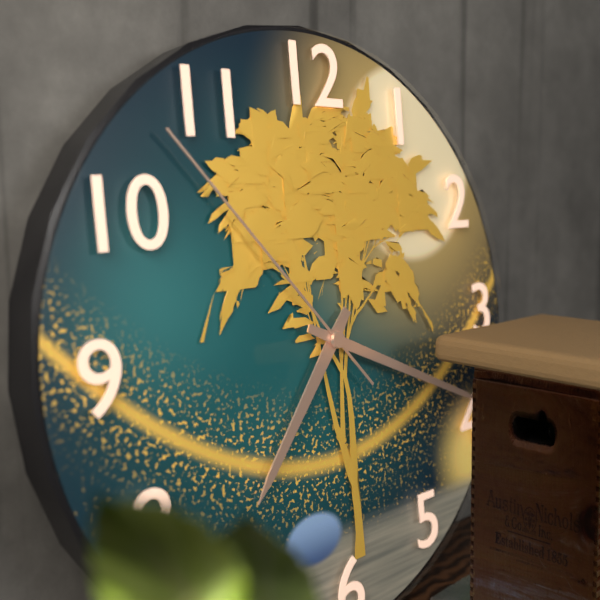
7:19:53
